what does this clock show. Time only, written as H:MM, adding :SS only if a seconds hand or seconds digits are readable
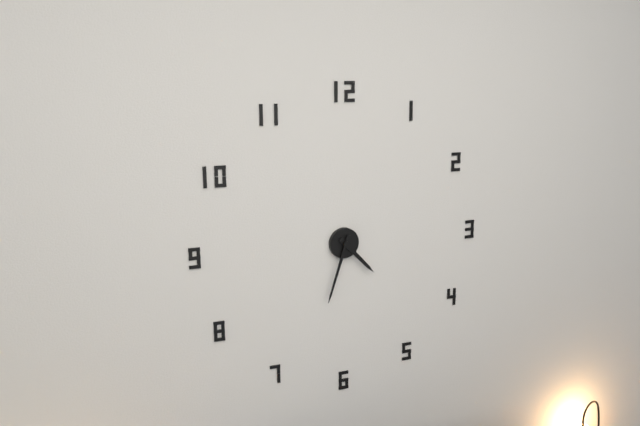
4:33
